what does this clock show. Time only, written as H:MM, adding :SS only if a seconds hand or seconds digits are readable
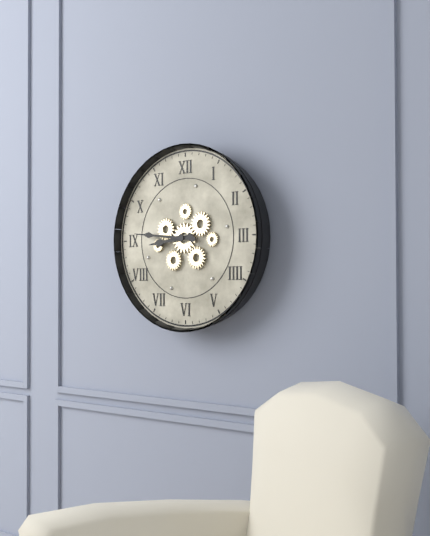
8:46
